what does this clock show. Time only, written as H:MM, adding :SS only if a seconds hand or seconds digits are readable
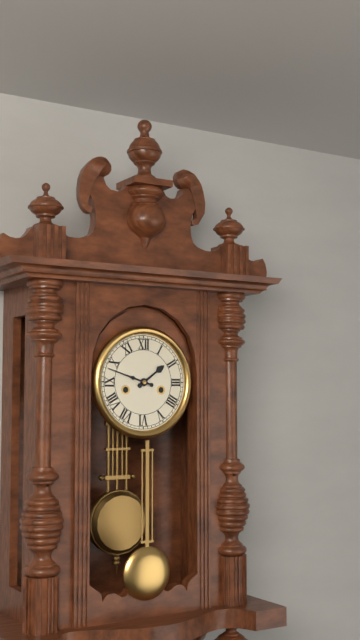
1:48
